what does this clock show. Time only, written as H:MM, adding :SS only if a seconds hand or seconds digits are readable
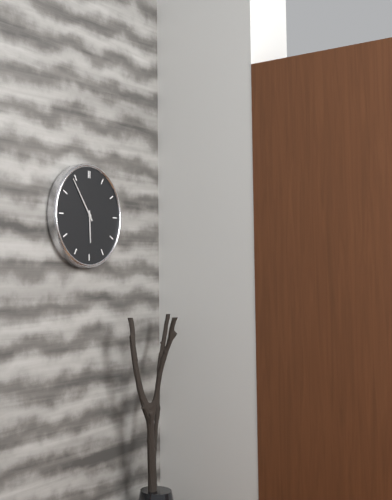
5:54
